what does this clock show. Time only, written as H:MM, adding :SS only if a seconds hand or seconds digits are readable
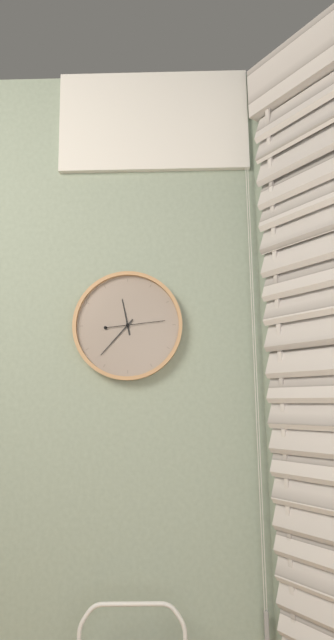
11:37
